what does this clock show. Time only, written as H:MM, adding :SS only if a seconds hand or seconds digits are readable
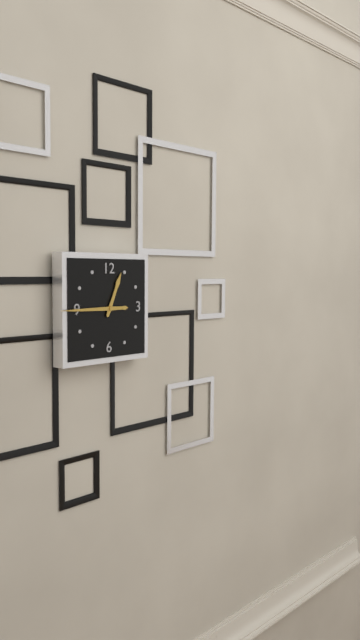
12:45
